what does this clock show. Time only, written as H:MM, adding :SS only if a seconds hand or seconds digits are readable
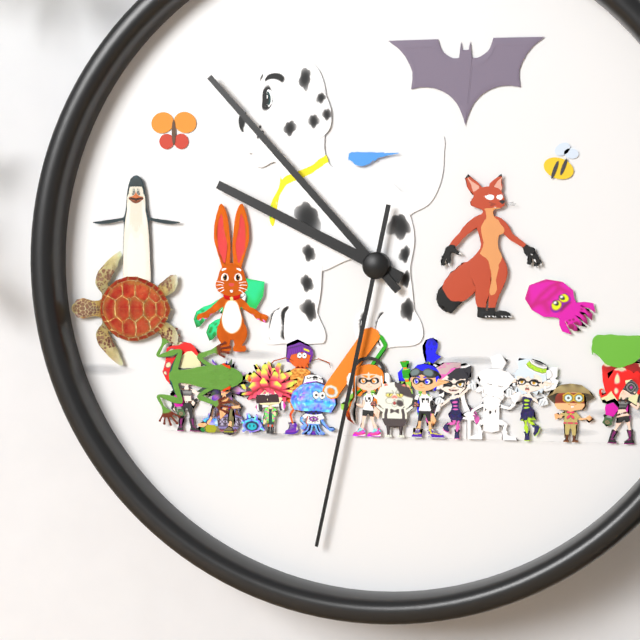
9:53:32
